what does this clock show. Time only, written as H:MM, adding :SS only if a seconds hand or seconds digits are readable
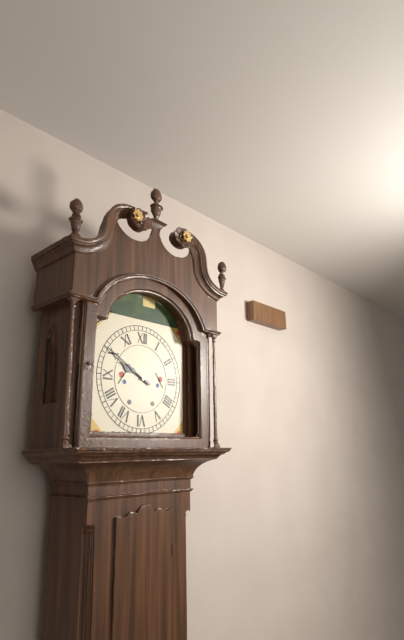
9:50
